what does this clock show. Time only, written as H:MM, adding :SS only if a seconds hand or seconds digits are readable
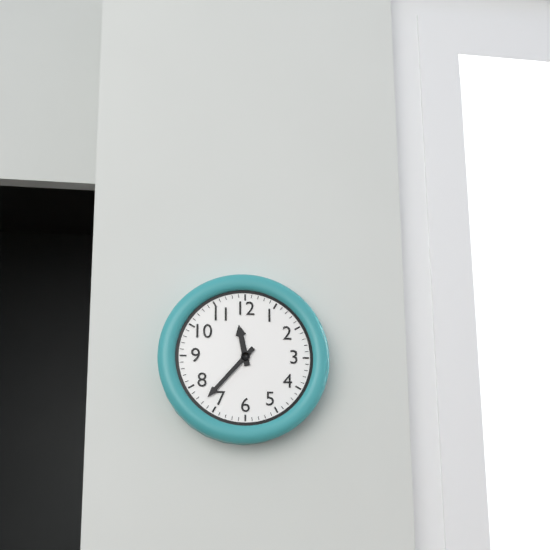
11:37
